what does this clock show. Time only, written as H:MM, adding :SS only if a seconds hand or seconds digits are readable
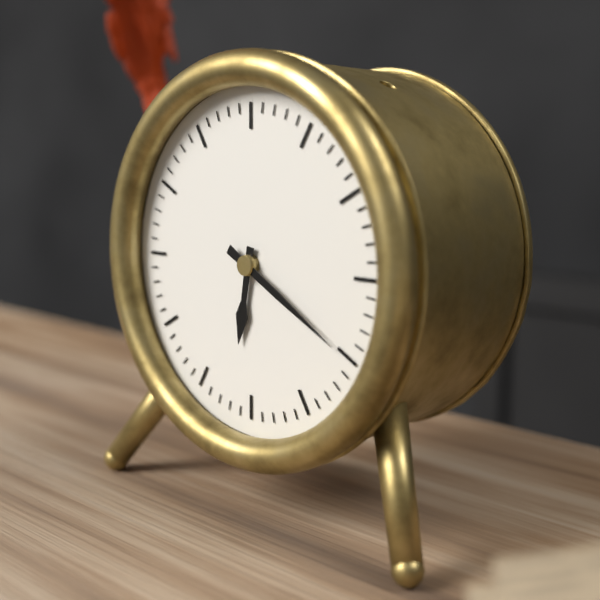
6:20
